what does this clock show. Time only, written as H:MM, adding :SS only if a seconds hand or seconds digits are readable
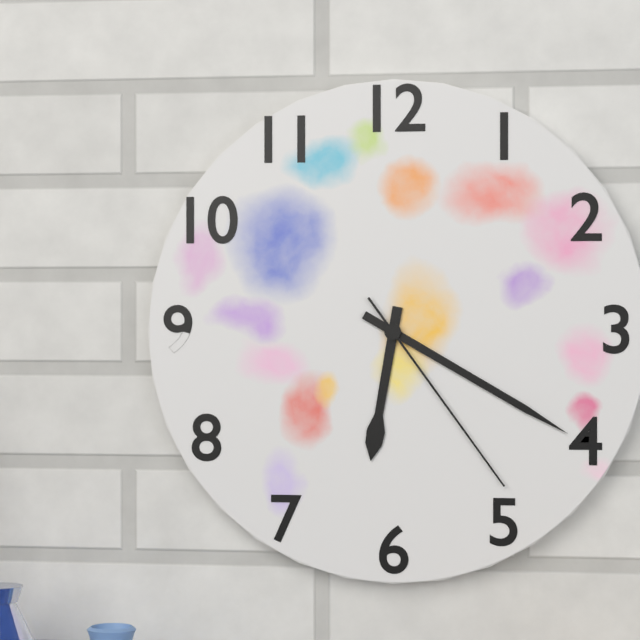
6:20:24
